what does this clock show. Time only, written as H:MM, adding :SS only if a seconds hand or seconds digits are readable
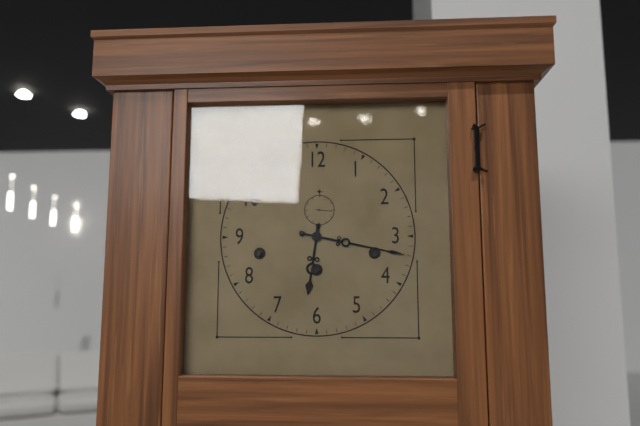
6:17
